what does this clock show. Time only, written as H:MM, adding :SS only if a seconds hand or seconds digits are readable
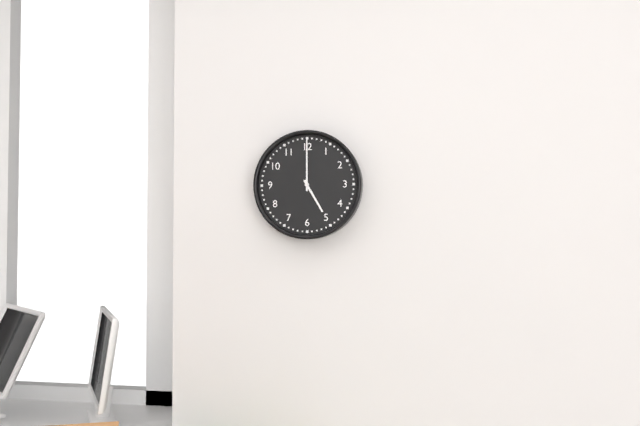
5:00
